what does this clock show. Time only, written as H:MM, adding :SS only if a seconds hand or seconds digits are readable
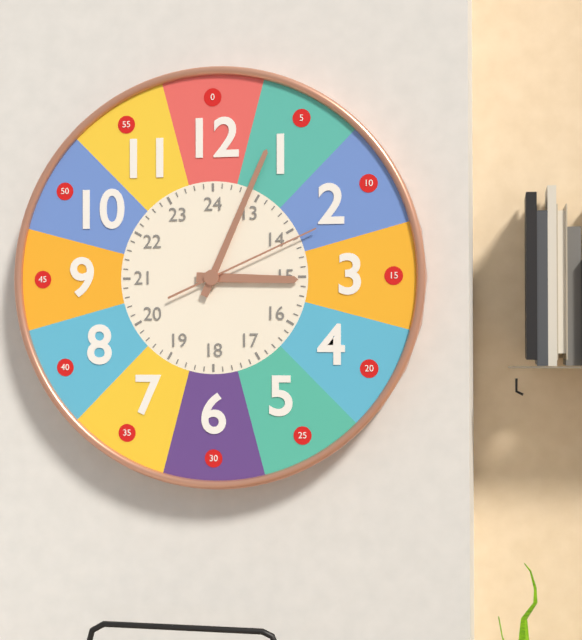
3:04:11
